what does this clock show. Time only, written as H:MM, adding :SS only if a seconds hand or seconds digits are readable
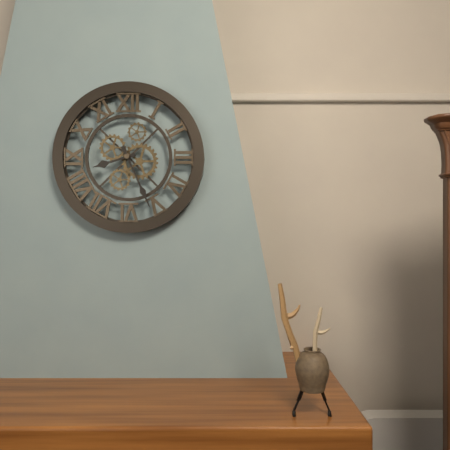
8:26
